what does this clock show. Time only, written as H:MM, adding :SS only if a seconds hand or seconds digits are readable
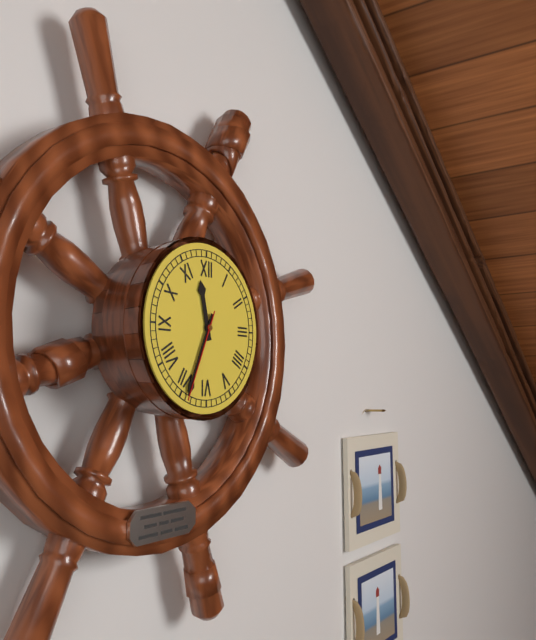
11:34:34
